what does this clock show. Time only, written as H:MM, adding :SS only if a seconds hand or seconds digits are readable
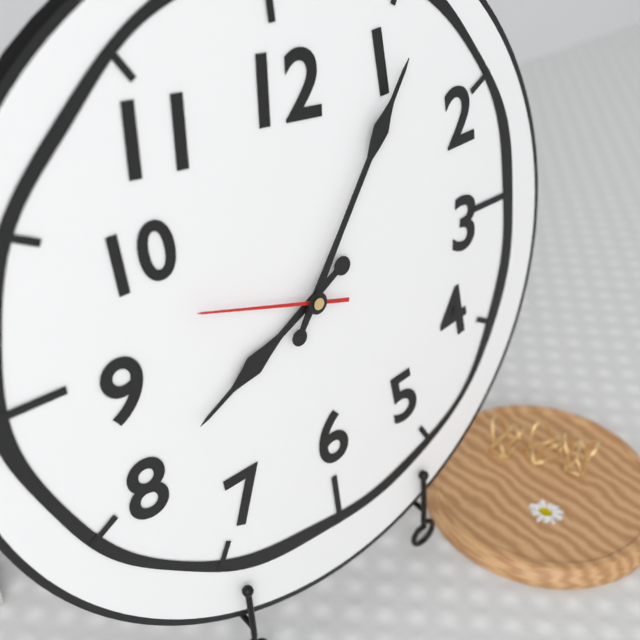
8:06:48
